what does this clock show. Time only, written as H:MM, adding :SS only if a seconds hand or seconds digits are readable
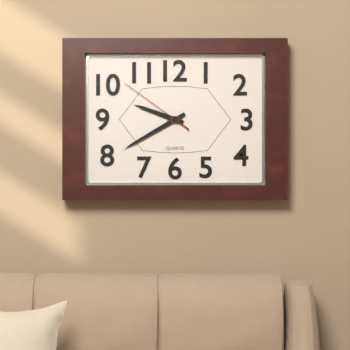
9:40:51
